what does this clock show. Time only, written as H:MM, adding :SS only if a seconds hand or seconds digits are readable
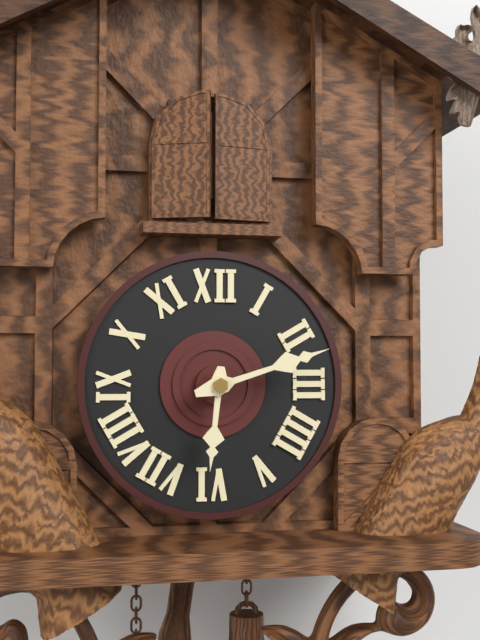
6:12
